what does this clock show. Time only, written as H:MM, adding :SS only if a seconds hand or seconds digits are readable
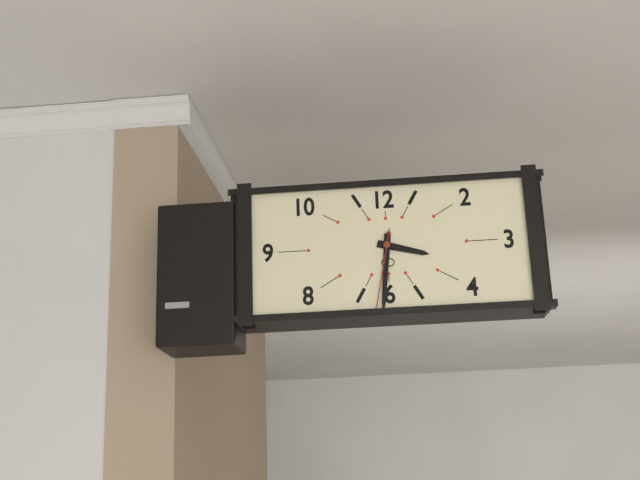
3:31:32
